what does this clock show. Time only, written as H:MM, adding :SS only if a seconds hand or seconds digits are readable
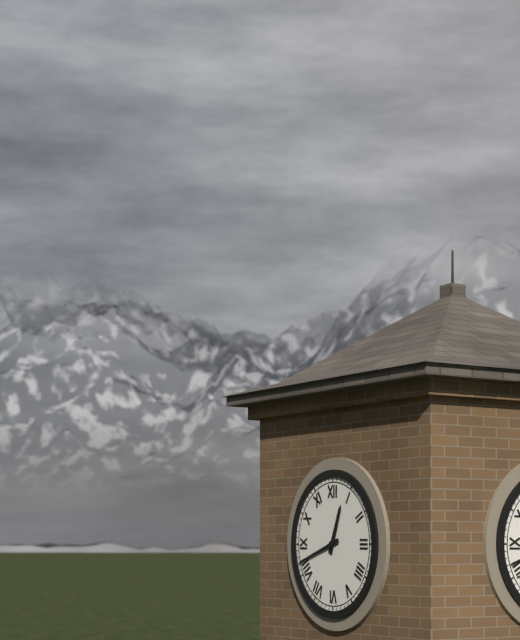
12:42
